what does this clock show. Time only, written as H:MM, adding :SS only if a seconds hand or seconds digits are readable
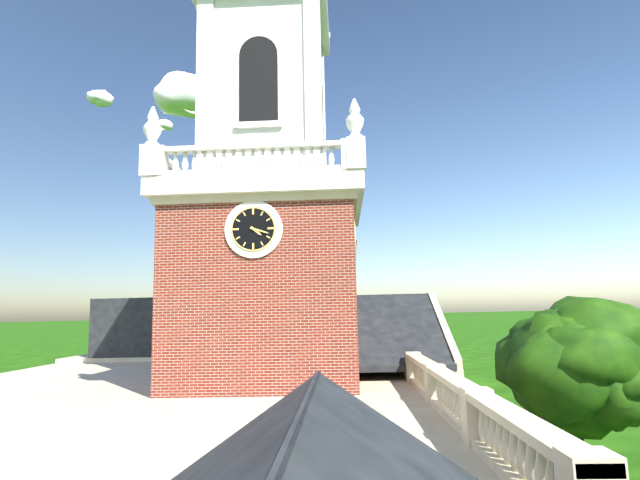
4:18
